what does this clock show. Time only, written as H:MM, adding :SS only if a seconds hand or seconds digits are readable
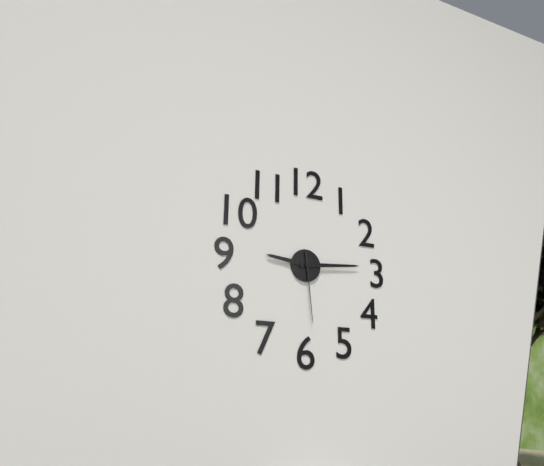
9:14:29
